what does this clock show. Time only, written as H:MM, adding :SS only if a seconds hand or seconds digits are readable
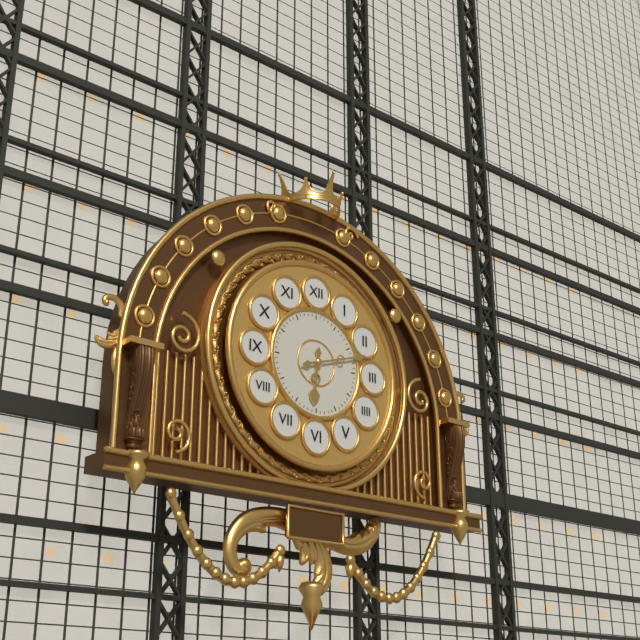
6:12
